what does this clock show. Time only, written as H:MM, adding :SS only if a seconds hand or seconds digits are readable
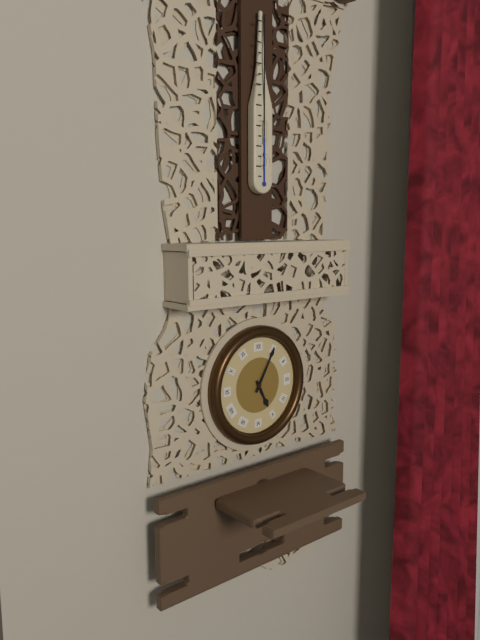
5:05
